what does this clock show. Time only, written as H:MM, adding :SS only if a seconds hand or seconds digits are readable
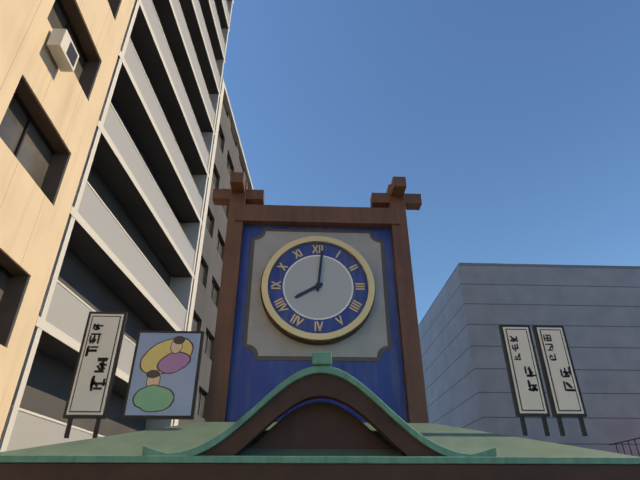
8:01
